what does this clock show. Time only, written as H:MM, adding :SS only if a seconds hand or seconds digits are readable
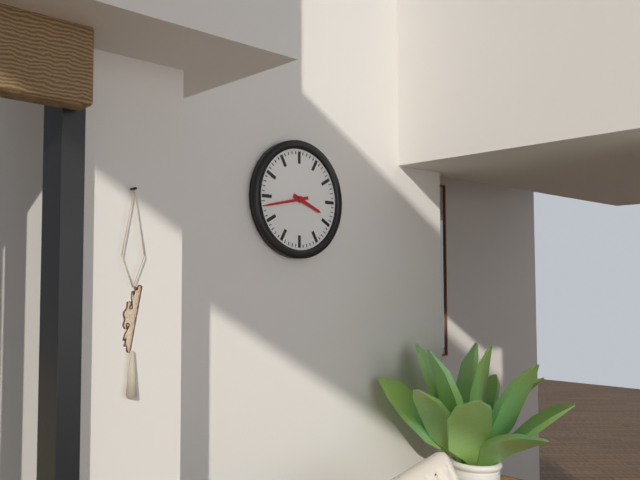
3:43
